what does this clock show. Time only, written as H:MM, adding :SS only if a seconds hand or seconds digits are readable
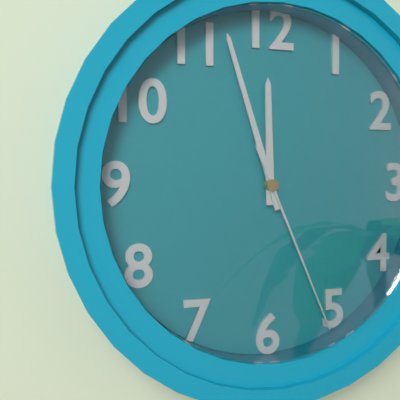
11:57:26
